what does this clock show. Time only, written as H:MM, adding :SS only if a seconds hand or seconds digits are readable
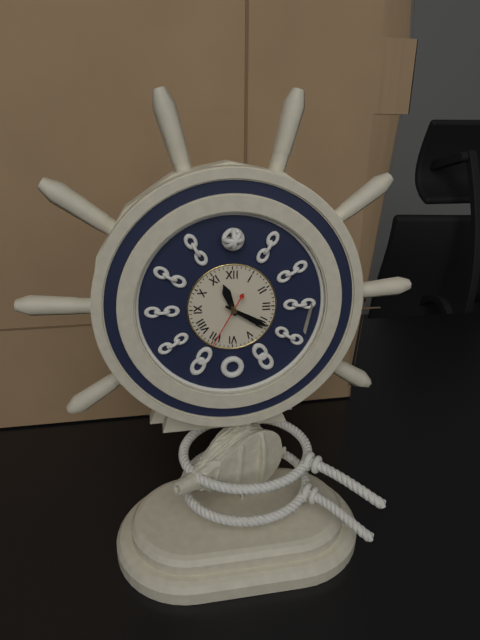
11:20:35
